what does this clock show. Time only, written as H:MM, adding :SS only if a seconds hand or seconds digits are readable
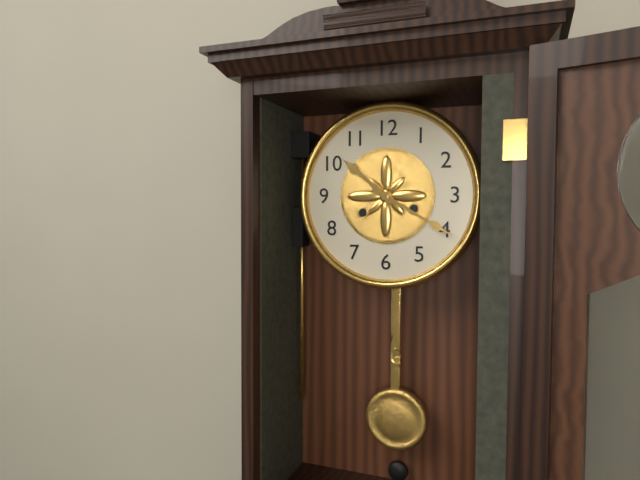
10:20
